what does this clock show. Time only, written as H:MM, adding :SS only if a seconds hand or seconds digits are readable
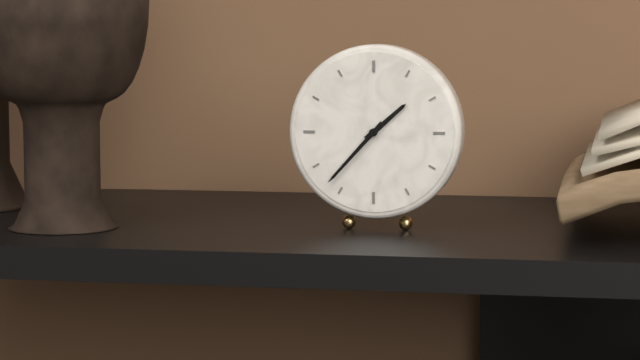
1:37
